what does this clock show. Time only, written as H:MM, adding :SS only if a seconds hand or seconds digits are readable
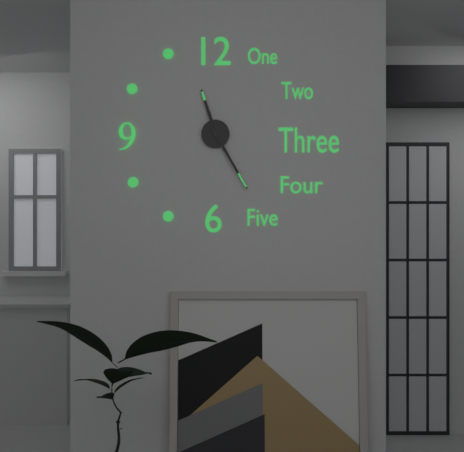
11:25
